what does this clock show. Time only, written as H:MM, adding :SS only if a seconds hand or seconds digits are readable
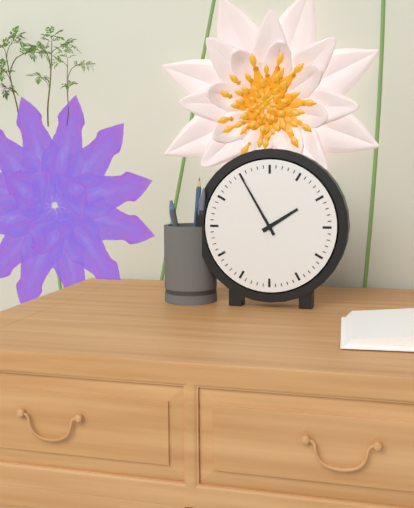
1:55
